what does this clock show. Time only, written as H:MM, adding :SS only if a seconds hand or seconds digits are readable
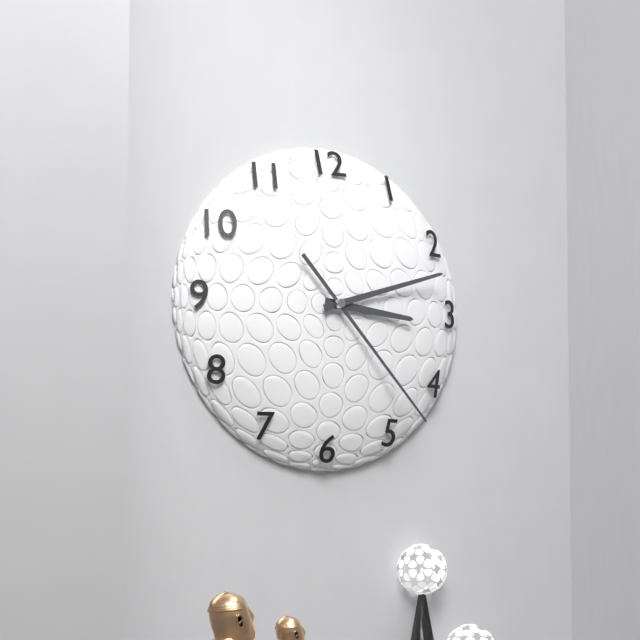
3:12:23
